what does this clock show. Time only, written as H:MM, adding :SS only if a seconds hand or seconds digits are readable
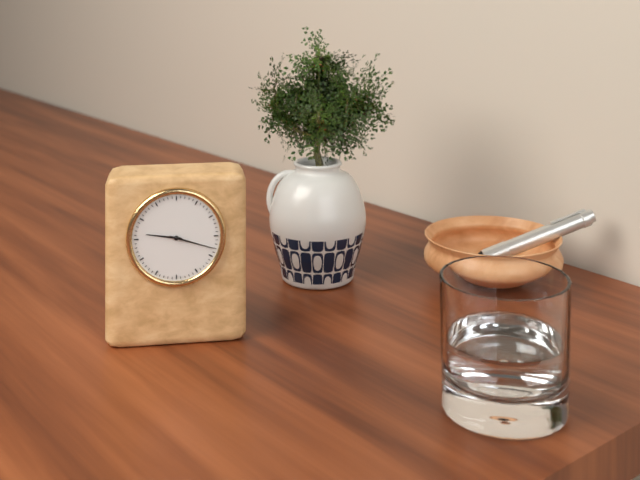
9:18
